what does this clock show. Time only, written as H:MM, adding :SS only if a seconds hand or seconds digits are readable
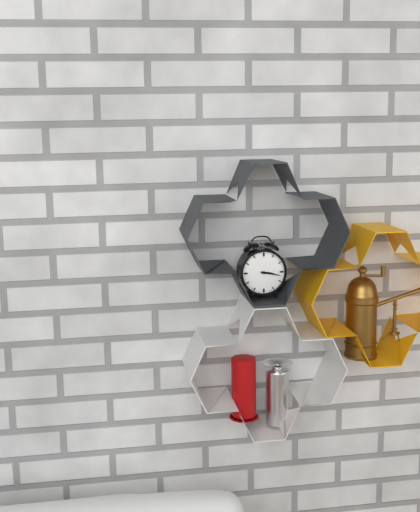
3:17
